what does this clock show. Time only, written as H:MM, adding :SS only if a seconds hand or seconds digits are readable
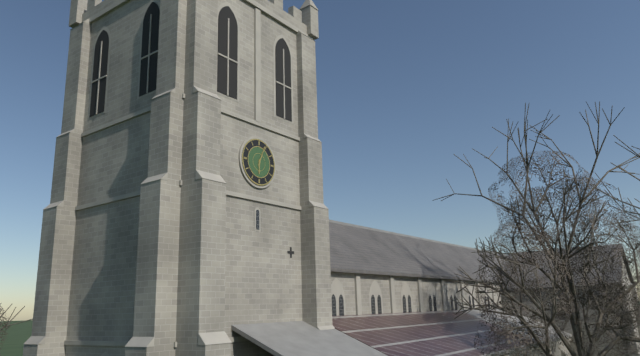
6:04
